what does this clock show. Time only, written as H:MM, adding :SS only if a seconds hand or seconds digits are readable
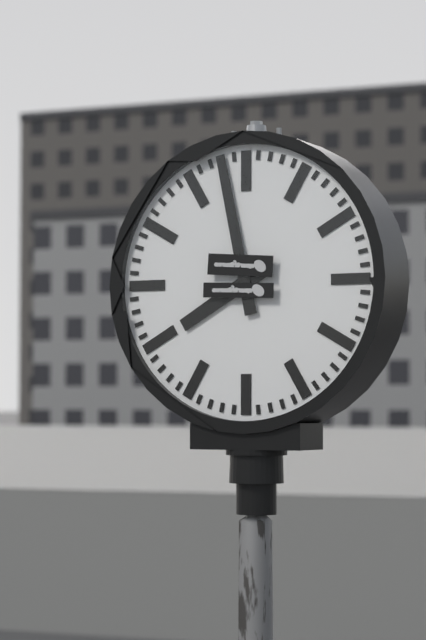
7:58
